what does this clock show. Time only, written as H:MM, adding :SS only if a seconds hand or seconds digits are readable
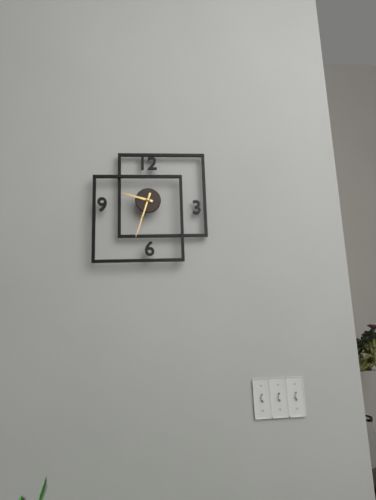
9:33
